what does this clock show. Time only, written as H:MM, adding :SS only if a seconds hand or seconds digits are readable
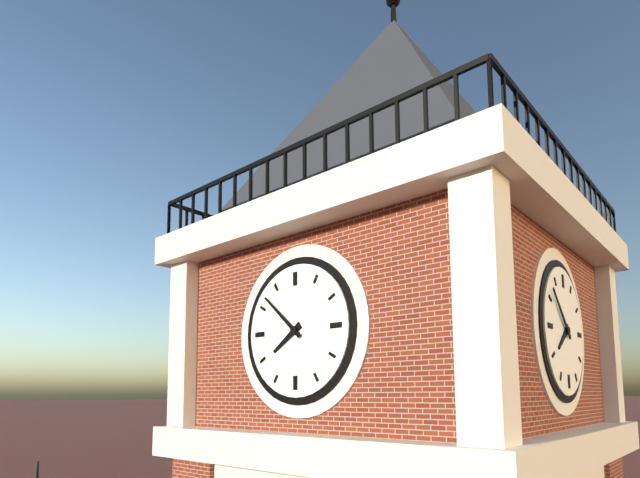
7:52
